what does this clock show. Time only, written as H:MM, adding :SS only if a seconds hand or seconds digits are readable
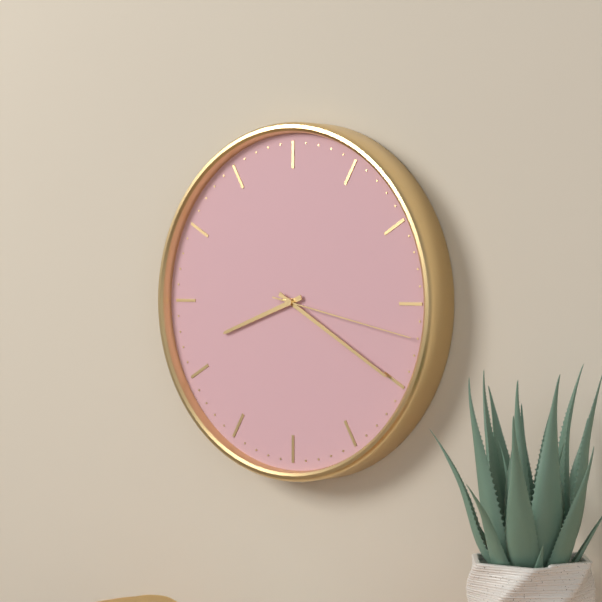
8:20:17
